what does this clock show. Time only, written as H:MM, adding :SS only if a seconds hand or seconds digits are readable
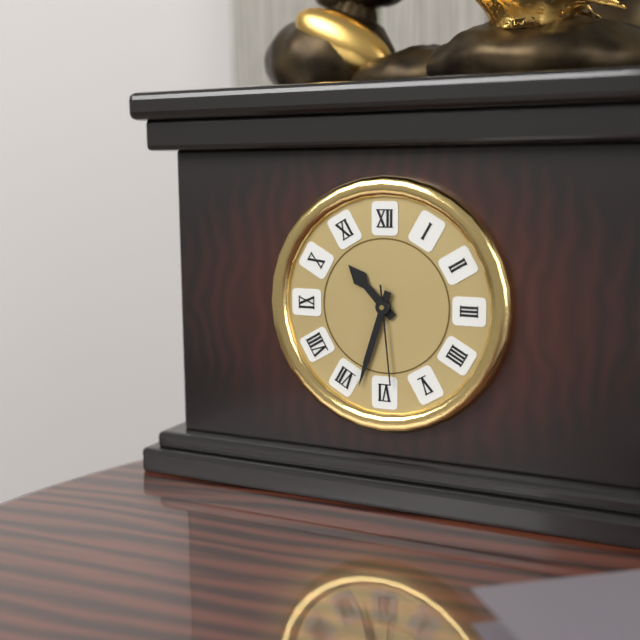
10:33:29
